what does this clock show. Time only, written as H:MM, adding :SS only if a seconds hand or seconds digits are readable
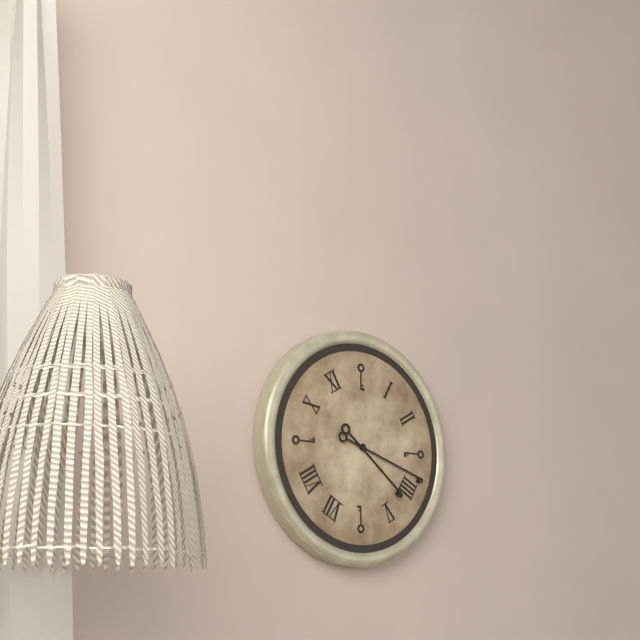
4:18
